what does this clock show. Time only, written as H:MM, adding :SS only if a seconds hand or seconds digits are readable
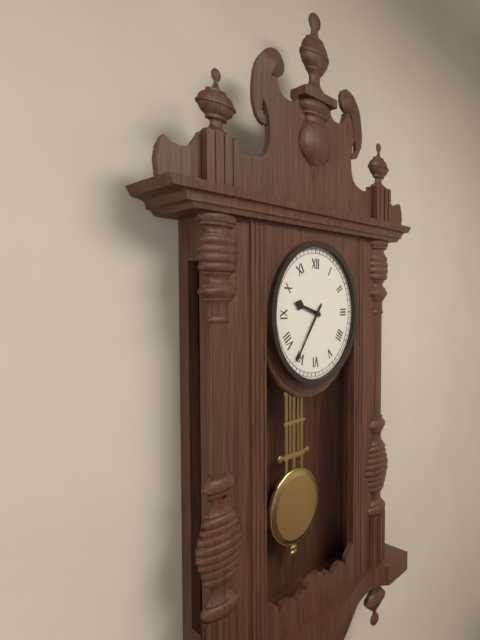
9:36
